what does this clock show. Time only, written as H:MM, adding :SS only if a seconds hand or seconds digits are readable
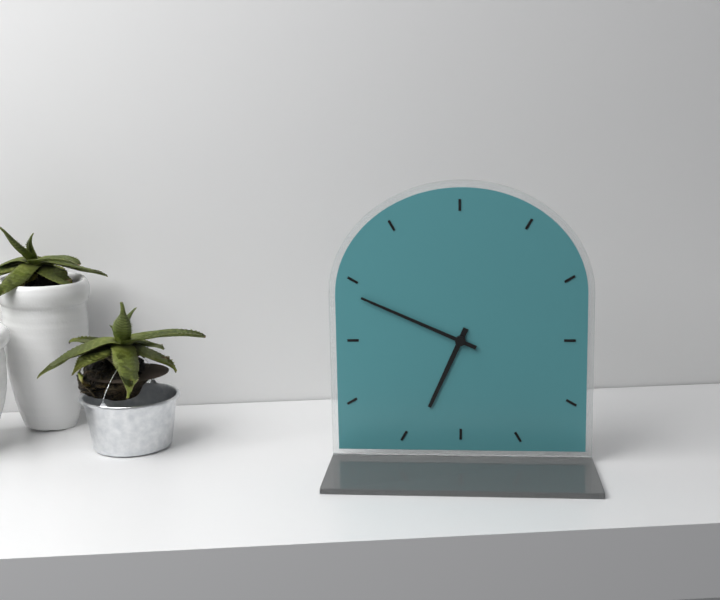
6:49
